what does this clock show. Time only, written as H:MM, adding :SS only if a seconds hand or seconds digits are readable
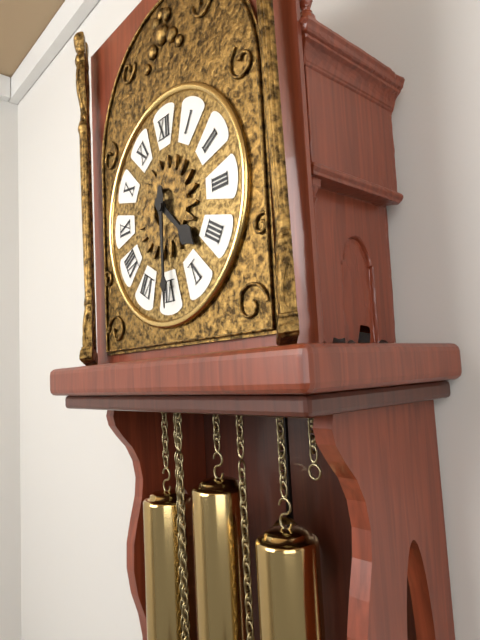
4:30
